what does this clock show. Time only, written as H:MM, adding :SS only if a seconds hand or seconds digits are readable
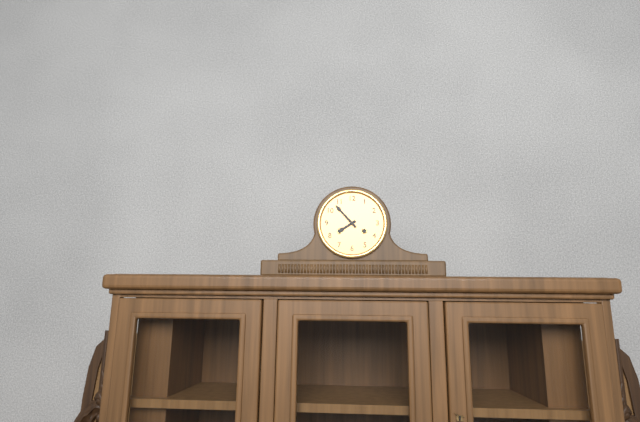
7:53
